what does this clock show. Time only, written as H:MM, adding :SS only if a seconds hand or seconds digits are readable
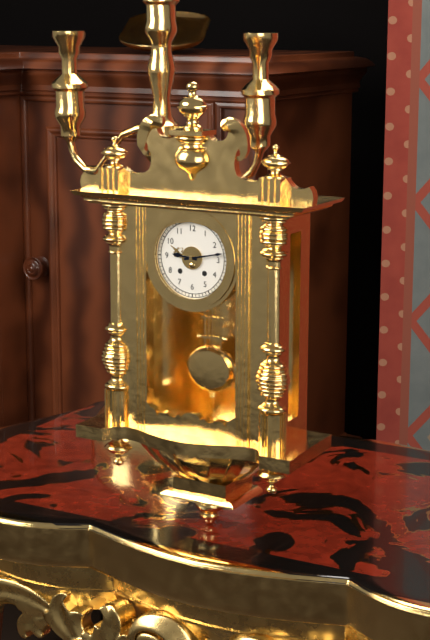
9:13
